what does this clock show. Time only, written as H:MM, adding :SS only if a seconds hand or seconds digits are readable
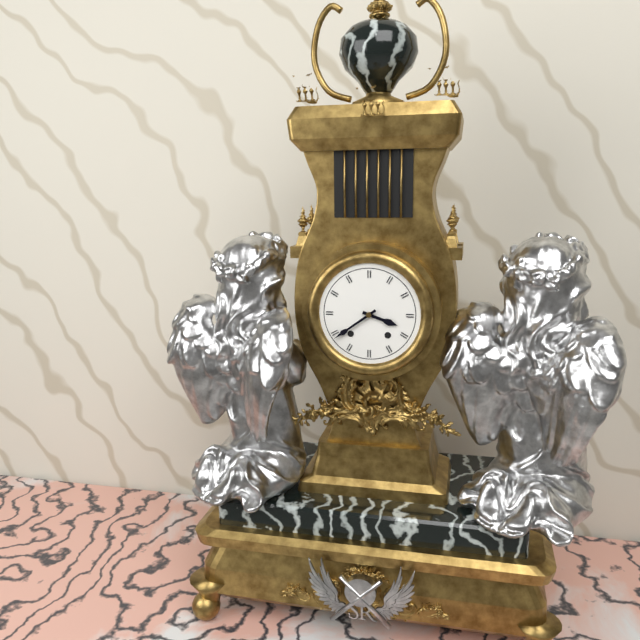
3:39
